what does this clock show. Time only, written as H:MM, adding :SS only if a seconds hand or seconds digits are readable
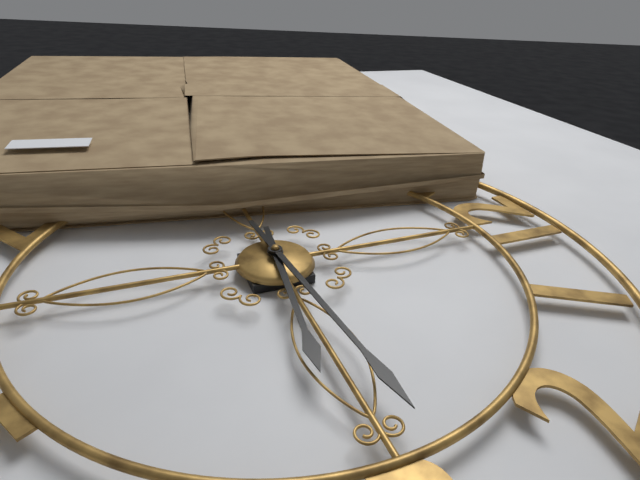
3:14
